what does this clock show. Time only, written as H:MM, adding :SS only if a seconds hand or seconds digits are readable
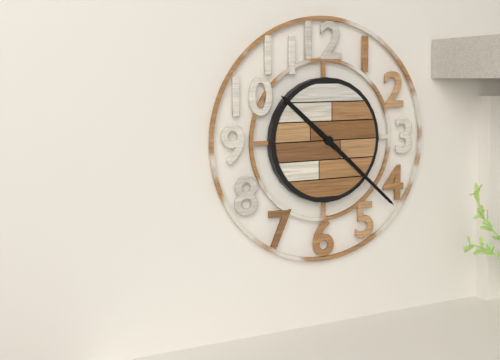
10:22
